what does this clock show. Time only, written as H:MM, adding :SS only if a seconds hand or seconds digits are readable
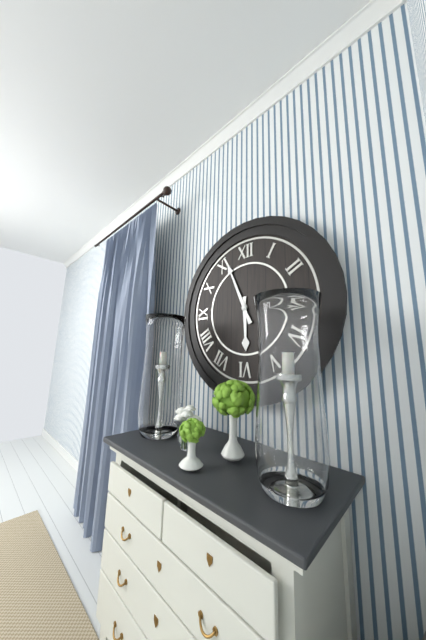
5:56
